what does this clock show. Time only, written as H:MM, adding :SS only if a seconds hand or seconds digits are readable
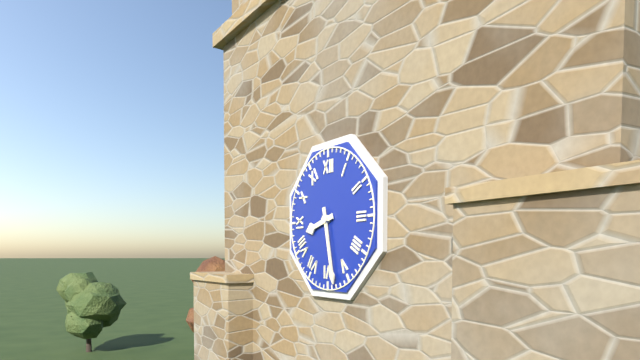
8:28
